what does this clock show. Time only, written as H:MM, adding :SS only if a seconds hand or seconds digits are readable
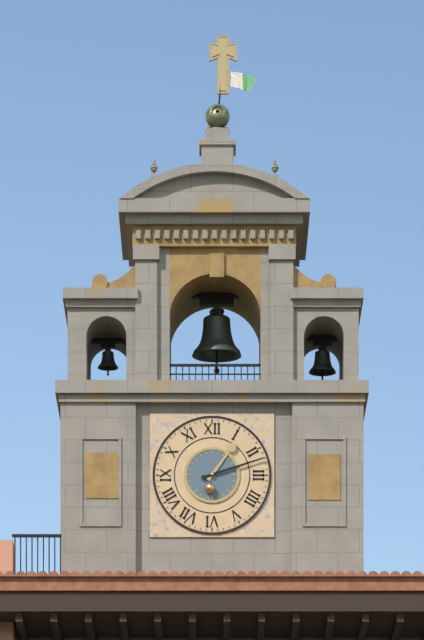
1:12
